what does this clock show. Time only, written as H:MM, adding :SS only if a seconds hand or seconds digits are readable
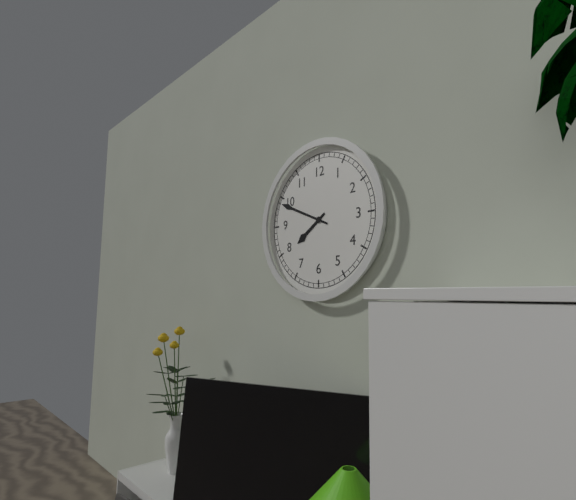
7:49
